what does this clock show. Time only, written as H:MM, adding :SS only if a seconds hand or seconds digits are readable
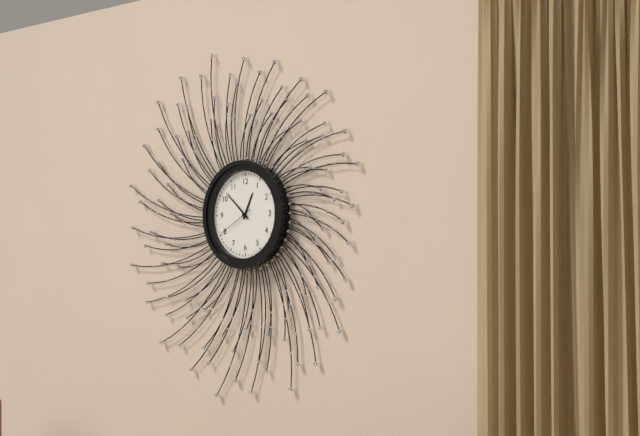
12:52
